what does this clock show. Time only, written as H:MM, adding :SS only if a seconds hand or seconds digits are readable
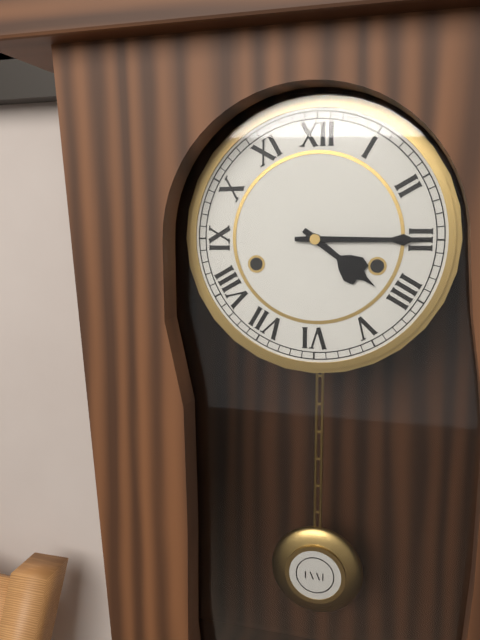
4:15
